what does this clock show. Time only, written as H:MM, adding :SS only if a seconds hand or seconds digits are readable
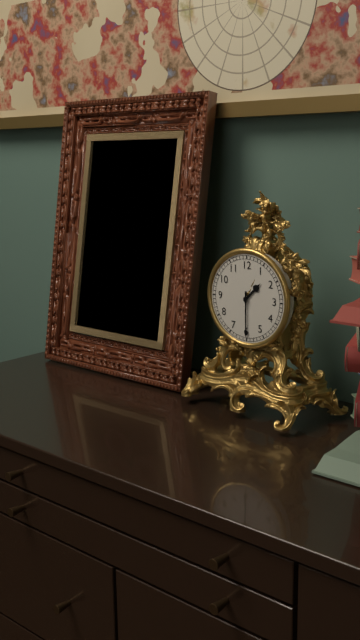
1:30
